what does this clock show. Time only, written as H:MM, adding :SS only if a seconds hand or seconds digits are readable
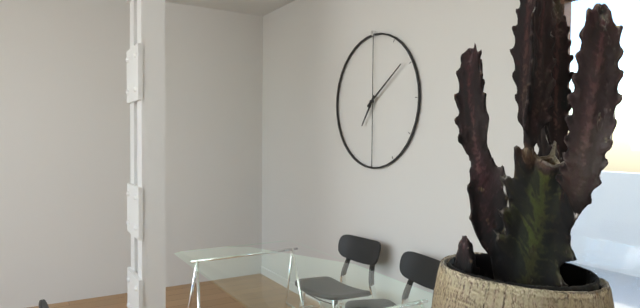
7:09
